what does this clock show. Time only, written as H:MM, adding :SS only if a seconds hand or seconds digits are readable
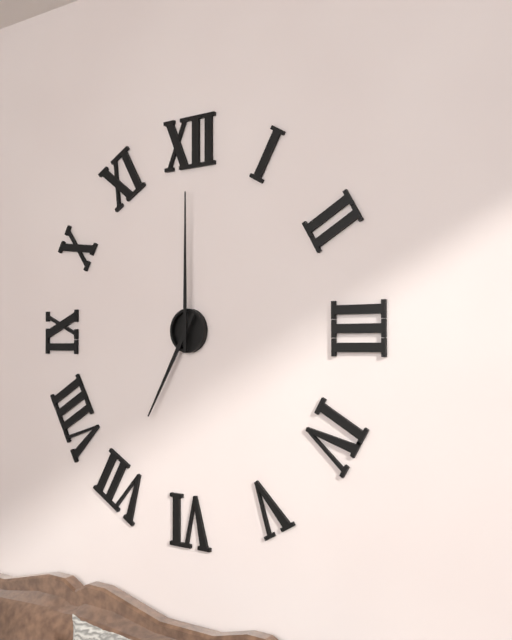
7:00
